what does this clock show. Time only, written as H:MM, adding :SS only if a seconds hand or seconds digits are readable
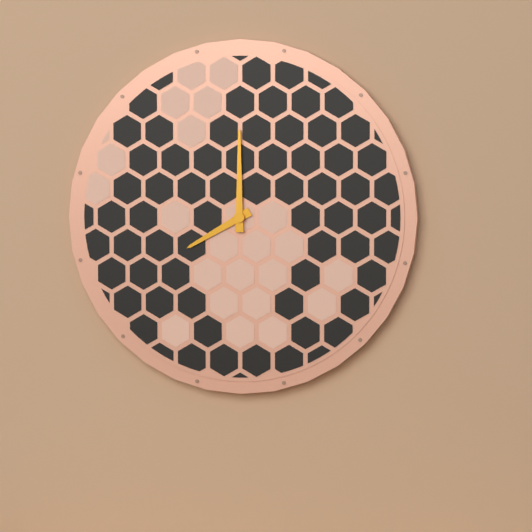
8:00
